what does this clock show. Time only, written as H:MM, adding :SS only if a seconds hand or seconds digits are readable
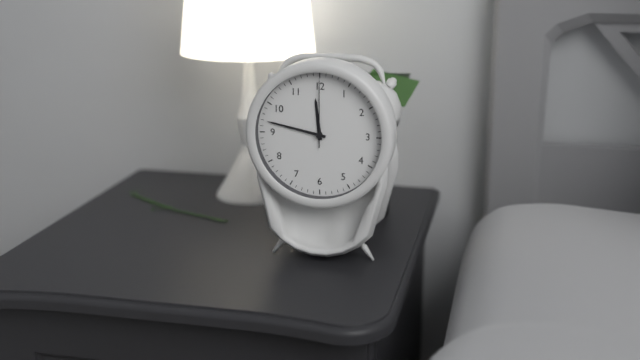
11:47:00
